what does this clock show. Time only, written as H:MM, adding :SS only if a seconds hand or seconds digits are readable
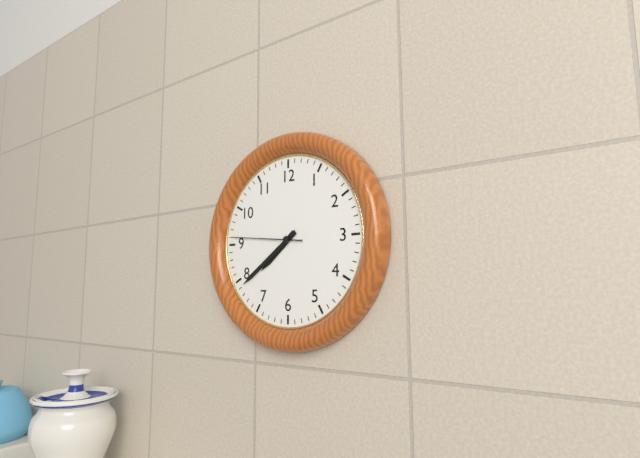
7:39:46
